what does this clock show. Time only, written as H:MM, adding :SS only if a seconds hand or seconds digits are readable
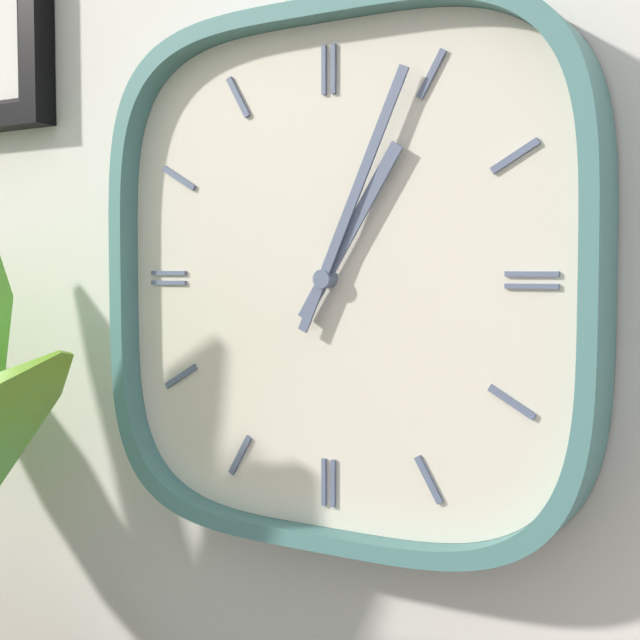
1:04
